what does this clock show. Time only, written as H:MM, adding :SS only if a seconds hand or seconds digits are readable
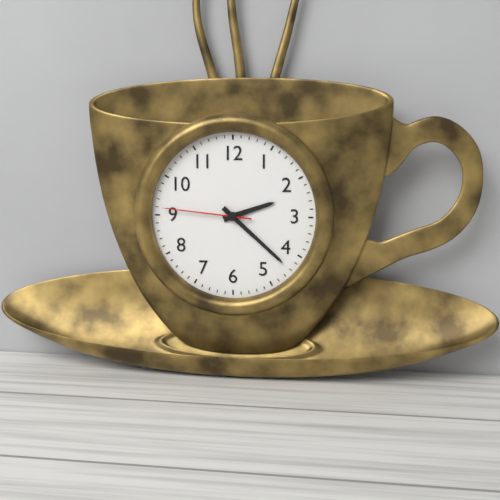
2:22:46
